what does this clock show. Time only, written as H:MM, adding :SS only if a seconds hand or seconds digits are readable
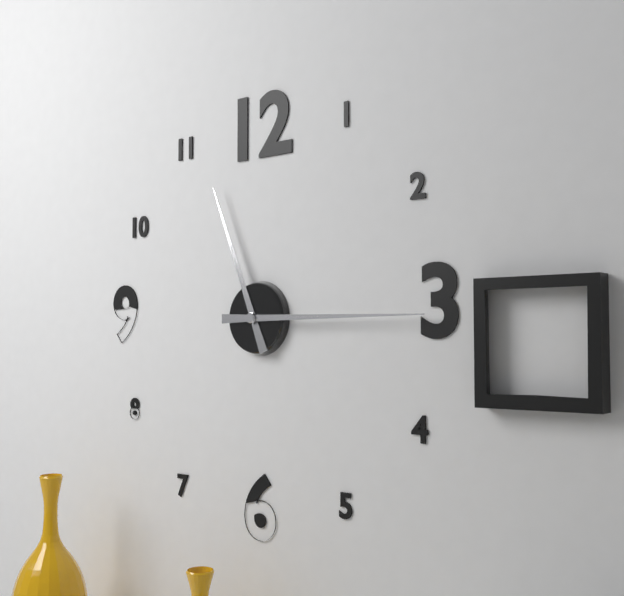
11:15
